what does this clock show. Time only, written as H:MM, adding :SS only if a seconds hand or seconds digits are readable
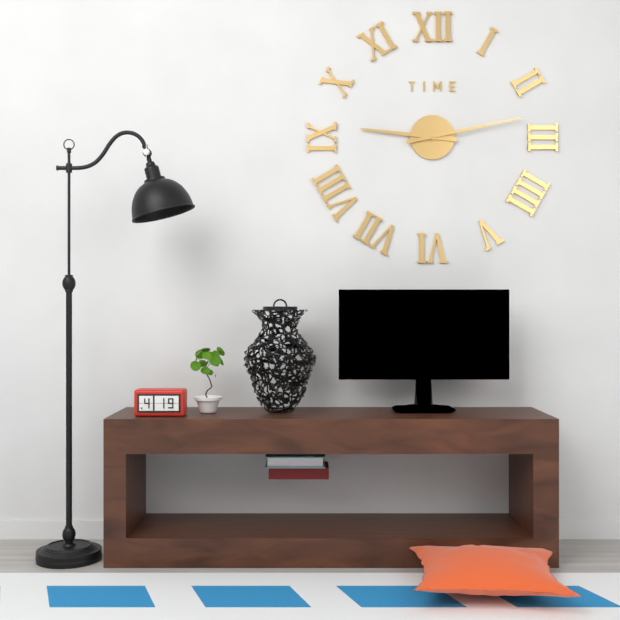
9:13
